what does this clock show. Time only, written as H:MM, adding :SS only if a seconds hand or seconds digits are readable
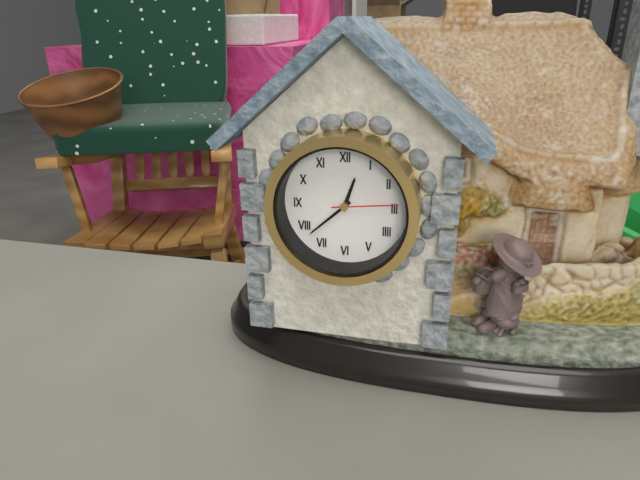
12:38:14
